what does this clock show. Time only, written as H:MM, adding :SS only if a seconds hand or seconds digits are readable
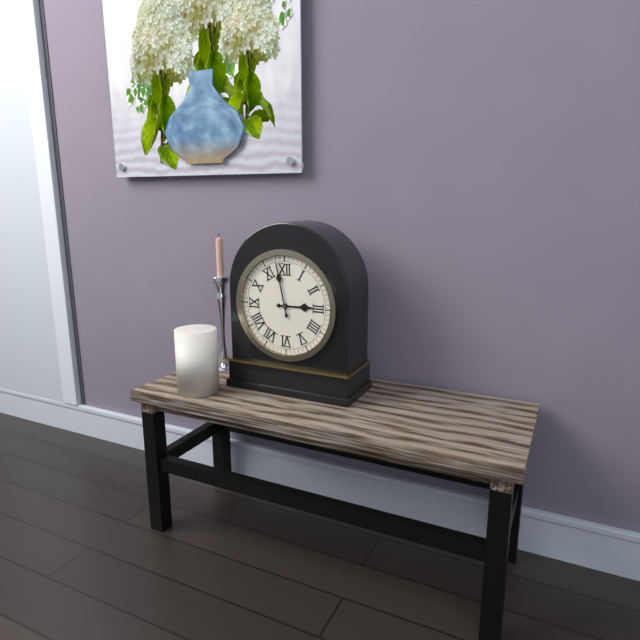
2:58
